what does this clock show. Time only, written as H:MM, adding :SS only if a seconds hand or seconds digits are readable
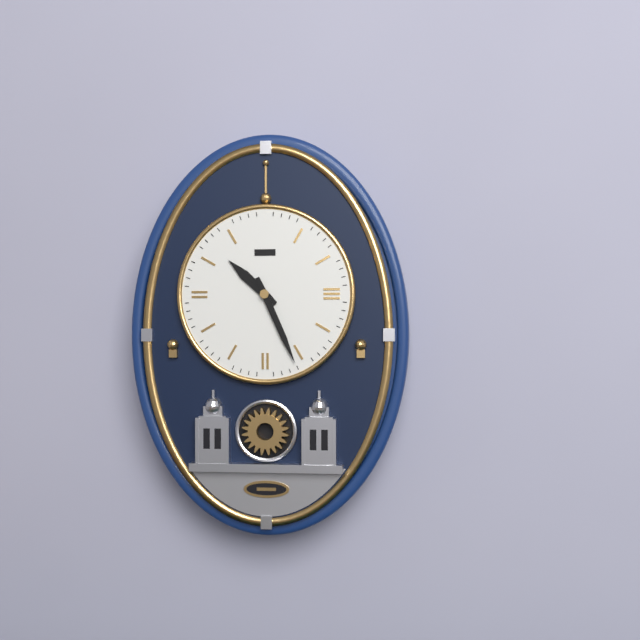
10:26
